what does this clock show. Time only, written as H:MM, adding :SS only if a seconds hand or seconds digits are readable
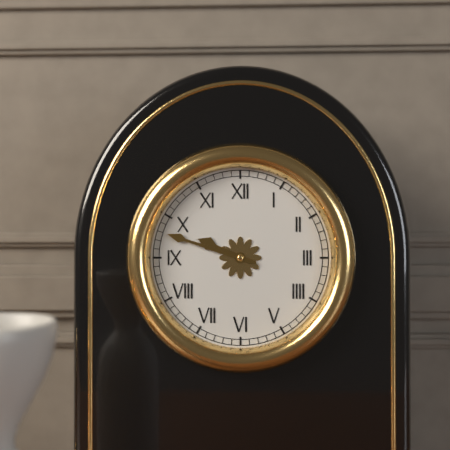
9:48
